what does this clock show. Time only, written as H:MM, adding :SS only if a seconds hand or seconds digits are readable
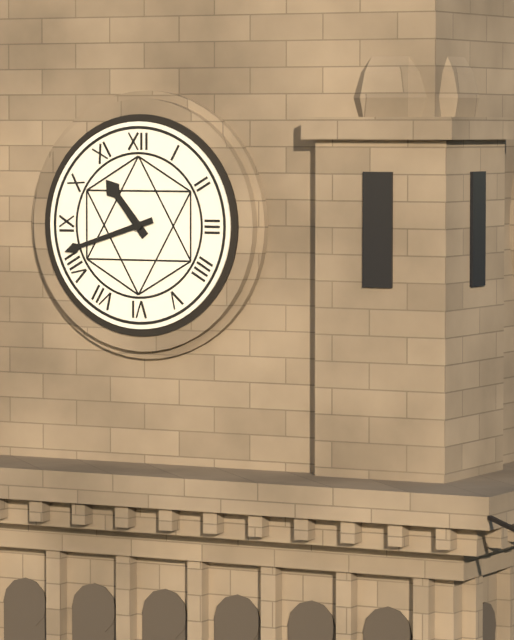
10:42
